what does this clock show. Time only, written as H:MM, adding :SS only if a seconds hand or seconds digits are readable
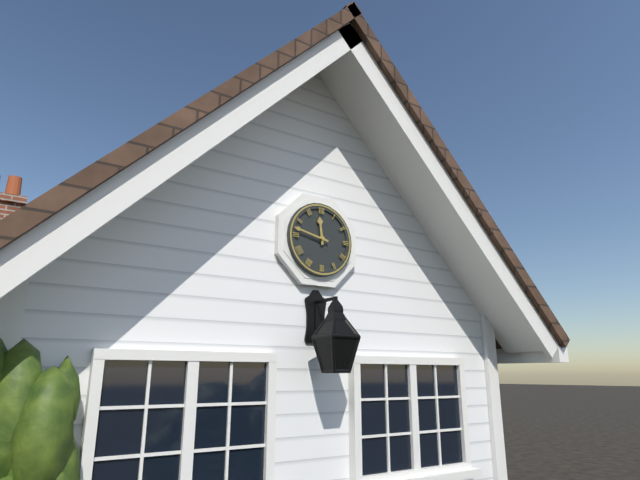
11:47
